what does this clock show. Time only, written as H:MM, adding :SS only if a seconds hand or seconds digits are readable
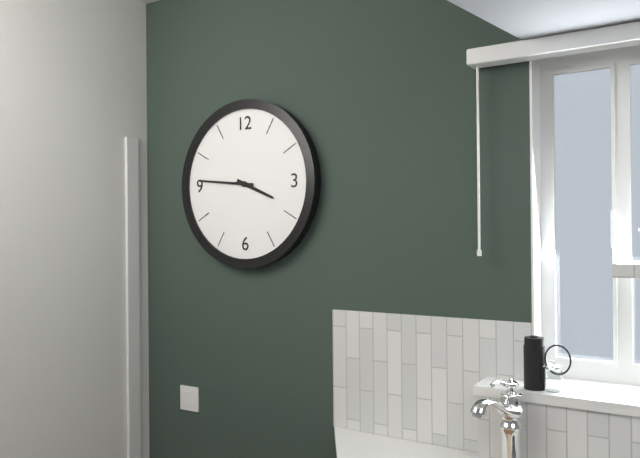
3:46
